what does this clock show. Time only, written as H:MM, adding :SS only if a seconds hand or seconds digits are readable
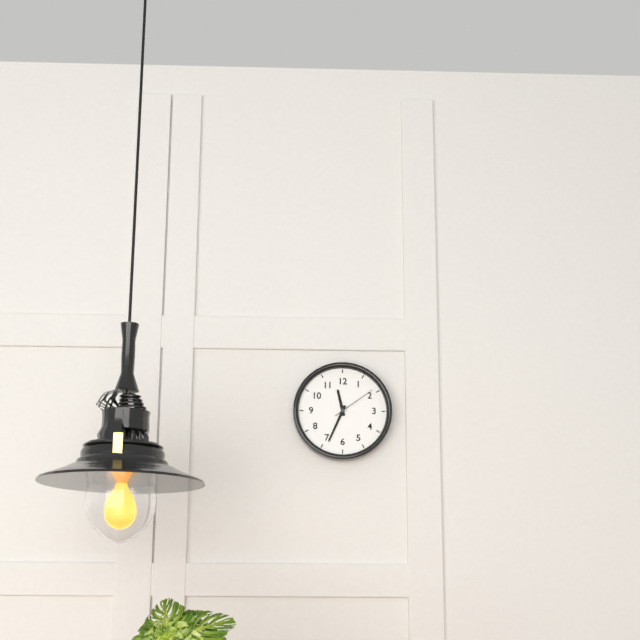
11:34
